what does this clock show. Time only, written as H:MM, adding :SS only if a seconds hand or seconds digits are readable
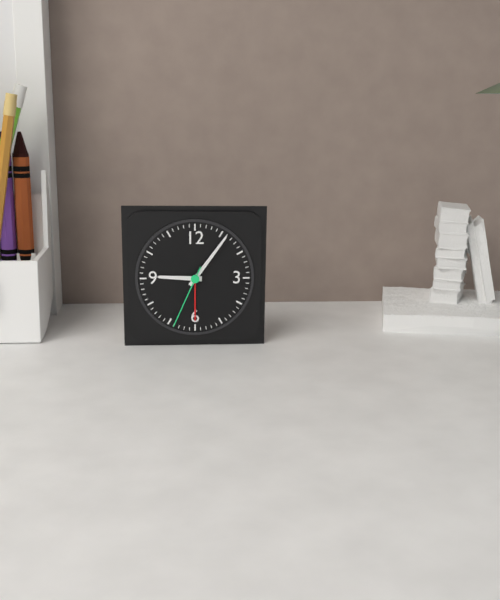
9:06:34
